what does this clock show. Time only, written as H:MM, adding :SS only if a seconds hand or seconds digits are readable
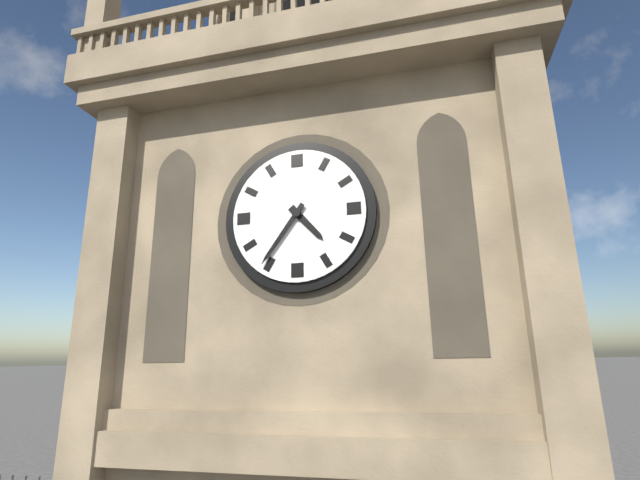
4:36
